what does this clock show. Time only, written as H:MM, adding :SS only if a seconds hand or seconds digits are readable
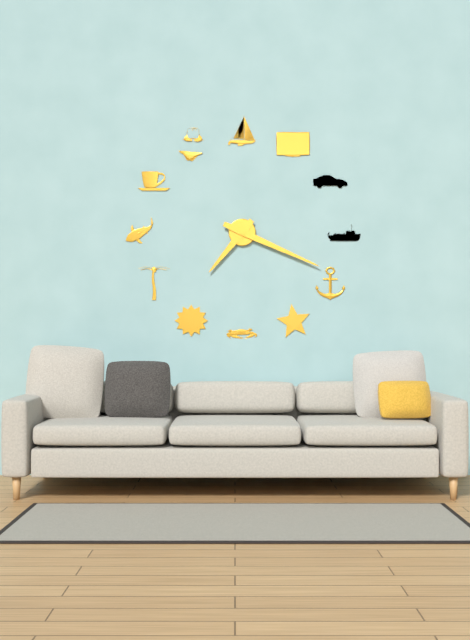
7:19
